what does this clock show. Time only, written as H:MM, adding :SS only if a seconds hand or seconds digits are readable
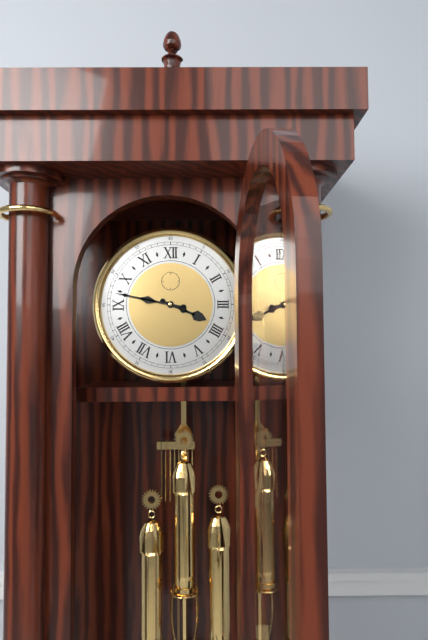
3:47
